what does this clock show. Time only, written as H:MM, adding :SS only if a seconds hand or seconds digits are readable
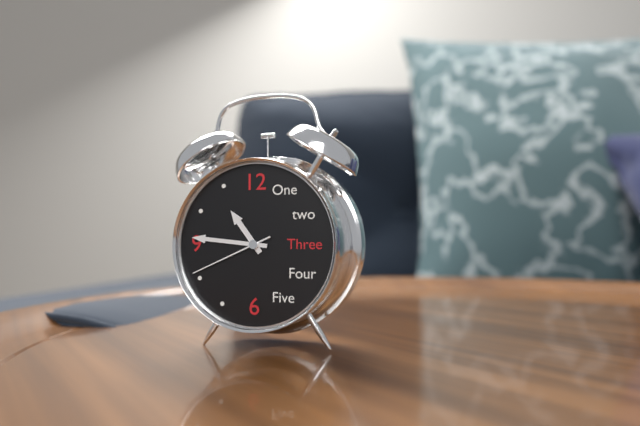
10:46:41
